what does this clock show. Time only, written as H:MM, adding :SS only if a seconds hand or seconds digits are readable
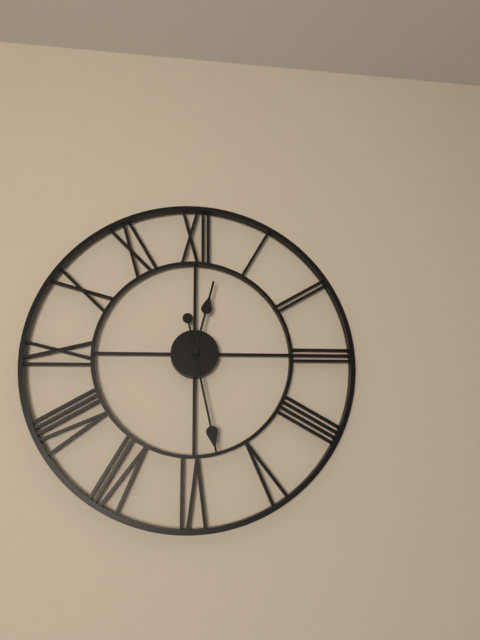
12:28
